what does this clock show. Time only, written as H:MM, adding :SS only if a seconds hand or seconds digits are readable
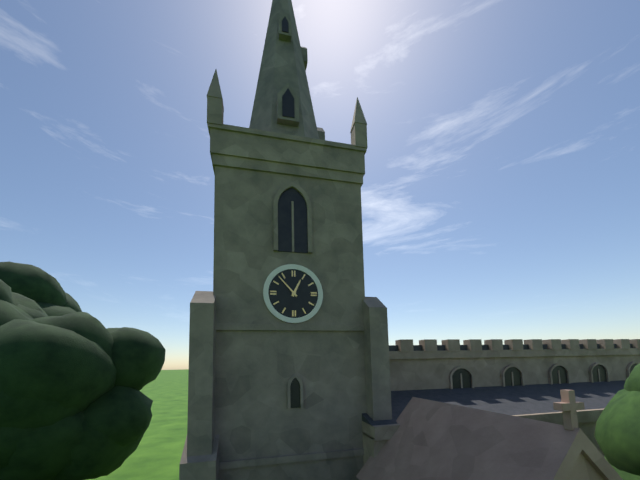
12:53
